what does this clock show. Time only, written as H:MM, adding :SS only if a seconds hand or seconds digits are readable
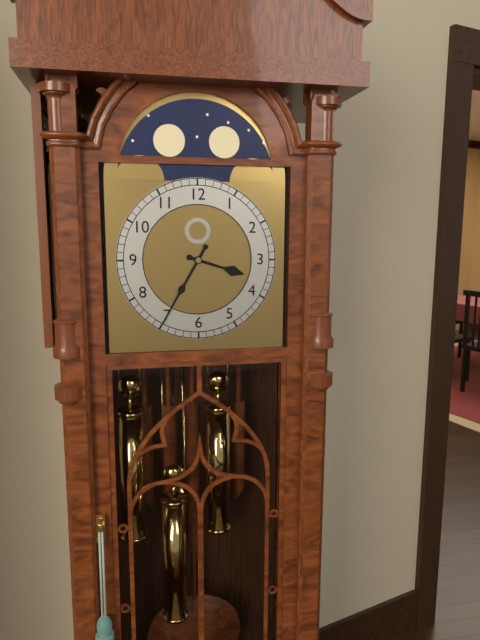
3:35
